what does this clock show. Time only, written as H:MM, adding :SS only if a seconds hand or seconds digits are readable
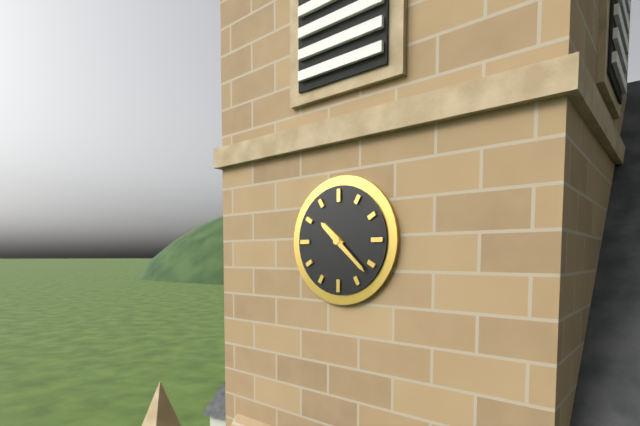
10:22
